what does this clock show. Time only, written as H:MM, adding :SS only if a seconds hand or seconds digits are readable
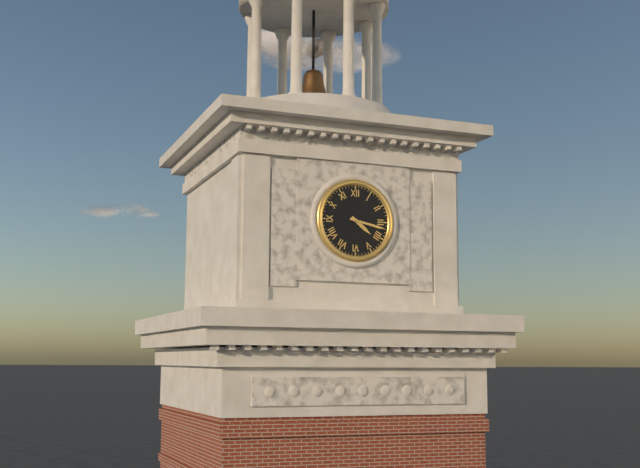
4:17
